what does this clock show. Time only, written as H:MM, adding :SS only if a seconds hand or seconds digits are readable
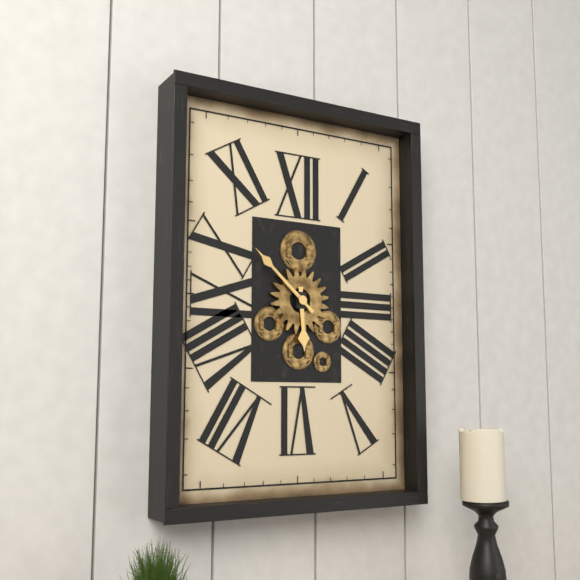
5:52
